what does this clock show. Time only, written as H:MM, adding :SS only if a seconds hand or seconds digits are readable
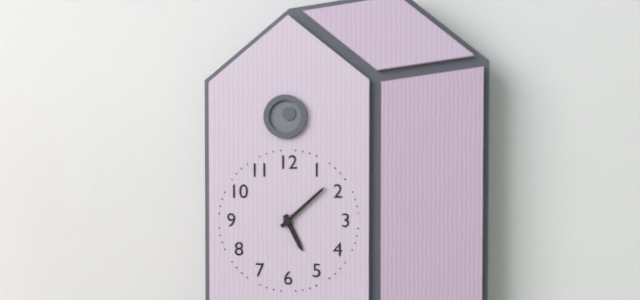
5:08
